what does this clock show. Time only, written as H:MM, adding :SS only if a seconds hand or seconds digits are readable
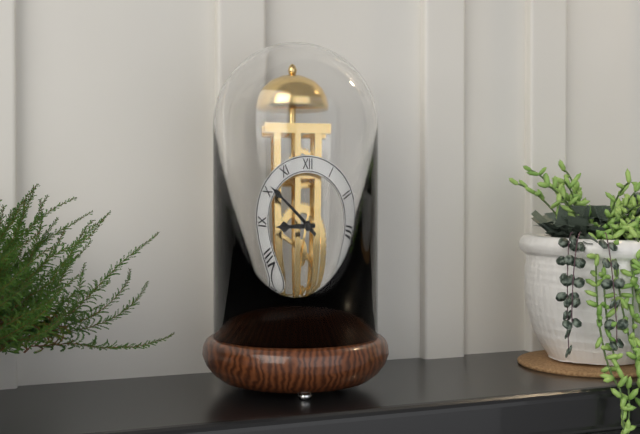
8:51
